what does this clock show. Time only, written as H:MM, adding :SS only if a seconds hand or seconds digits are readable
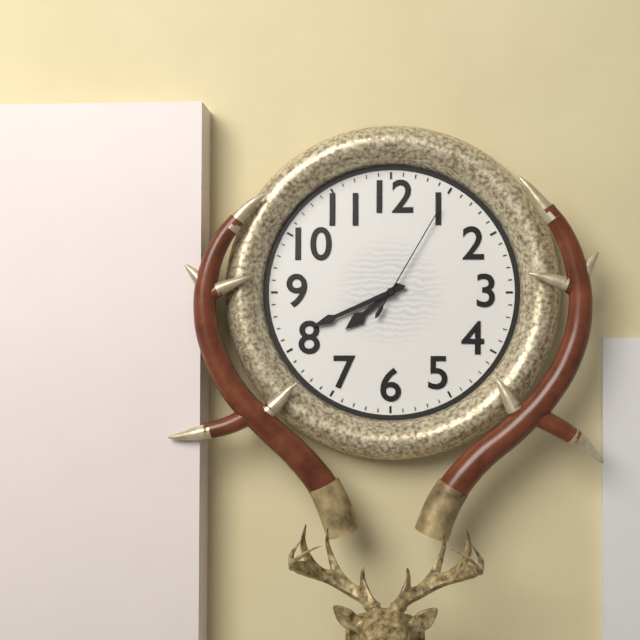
7:41:05
